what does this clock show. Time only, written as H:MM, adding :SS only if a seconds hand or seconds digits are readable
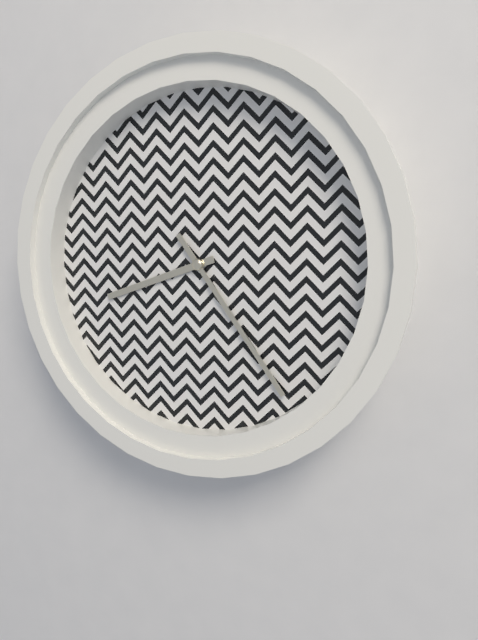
8:24
